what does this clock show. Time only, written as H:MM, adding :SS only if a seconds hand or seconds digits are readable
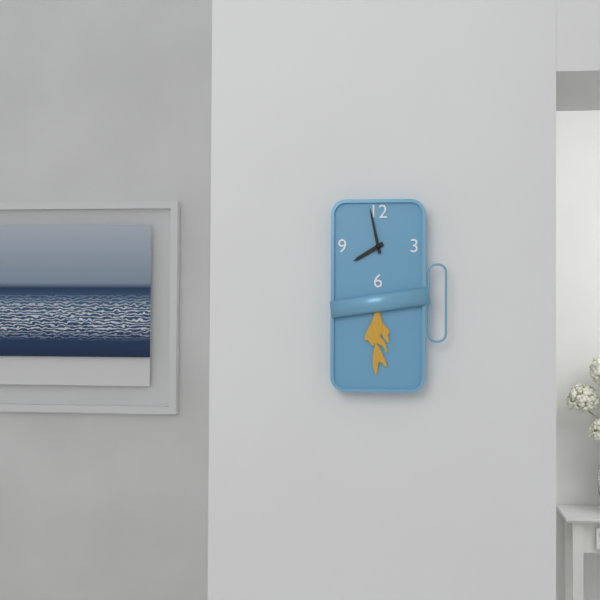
7:58
